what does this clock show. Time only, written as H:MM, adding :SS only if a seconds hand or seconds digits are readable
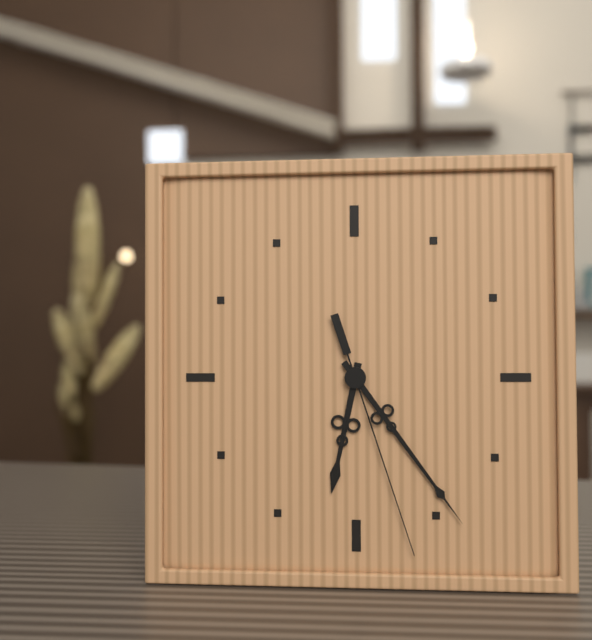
6:24:27
